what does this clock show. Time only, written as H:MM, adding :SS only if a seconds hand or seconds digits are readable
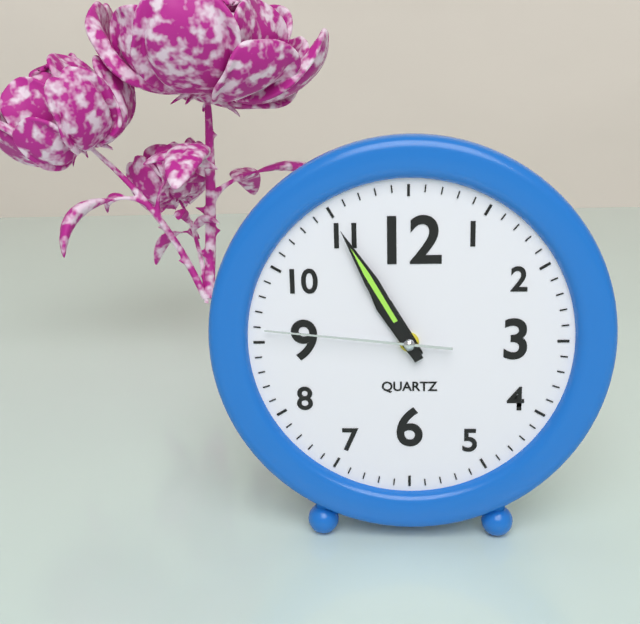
10:55:46
